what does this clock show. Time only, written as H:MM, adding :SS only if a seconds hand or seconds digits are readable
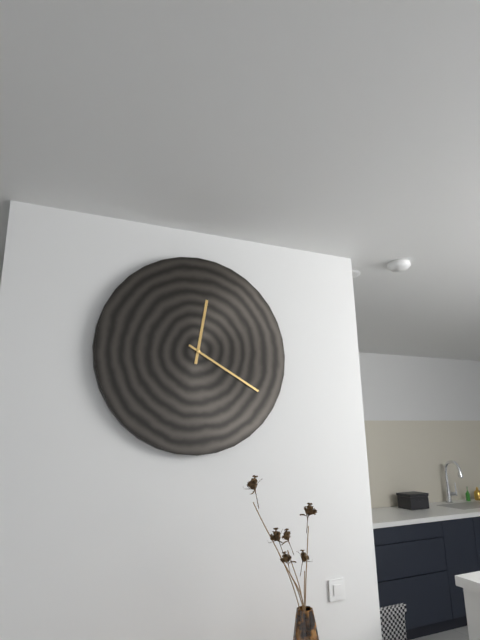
12:20
